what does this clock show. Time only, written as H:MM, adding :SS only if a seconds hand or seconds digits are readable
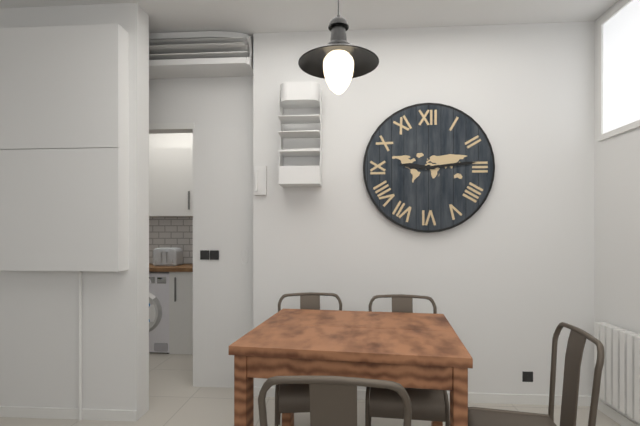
9:14
